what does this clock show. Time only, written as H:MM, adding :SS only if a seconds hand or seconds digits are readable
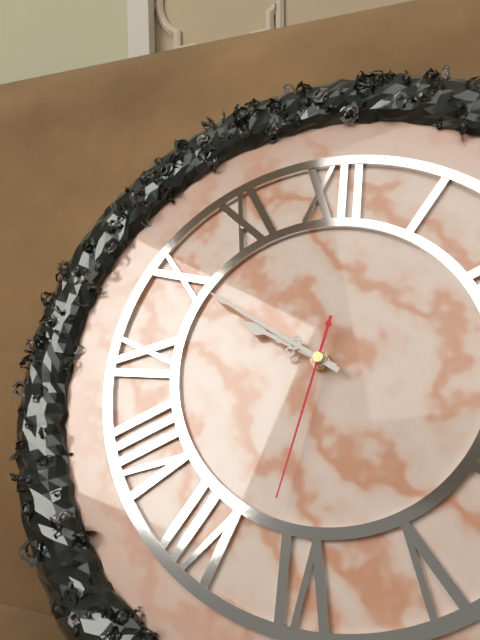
9:50:32
